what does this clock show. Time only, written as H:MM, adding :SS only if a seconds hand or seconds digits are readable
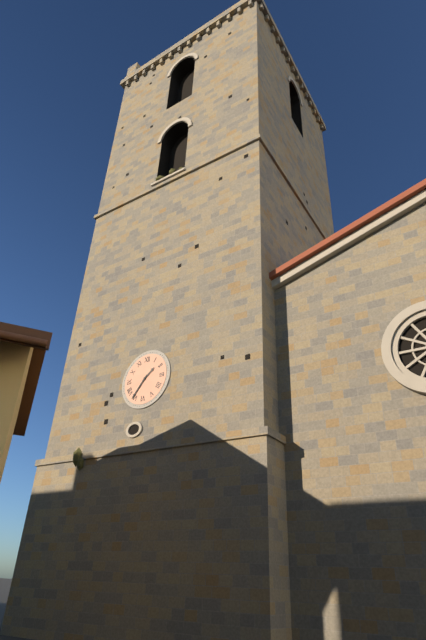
1:36
